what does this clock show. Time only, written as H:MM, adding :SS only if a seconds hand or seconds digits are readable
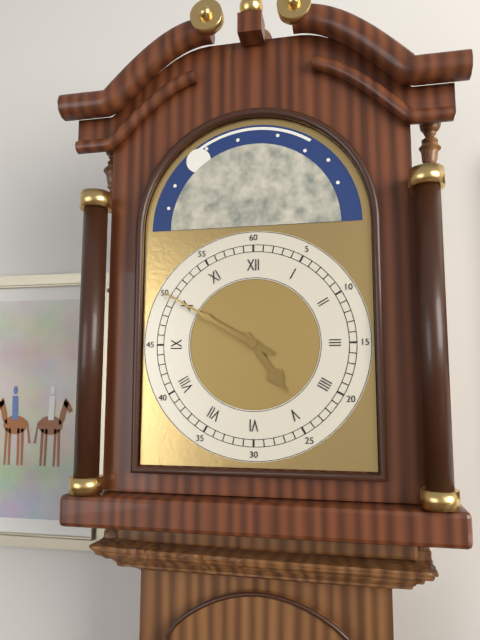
4:50
